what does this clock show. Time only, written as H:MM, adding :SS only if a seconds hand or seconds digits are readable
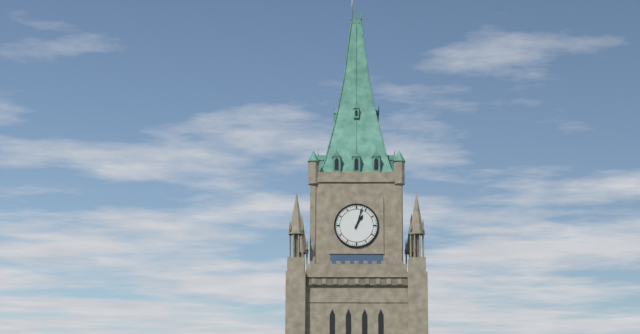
1:03
